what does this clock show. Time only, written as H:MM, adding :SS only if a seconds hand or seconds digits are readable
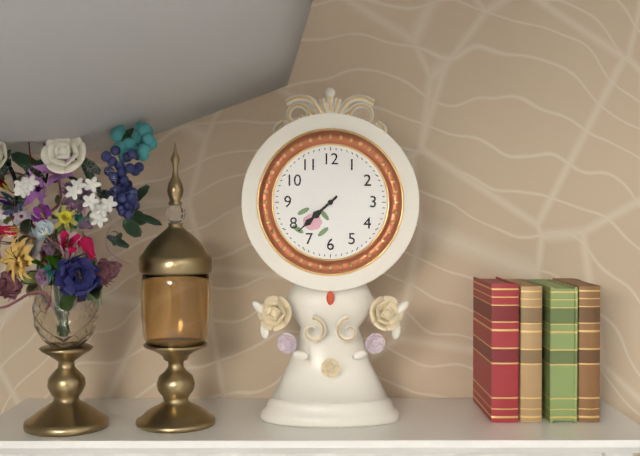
7:38
